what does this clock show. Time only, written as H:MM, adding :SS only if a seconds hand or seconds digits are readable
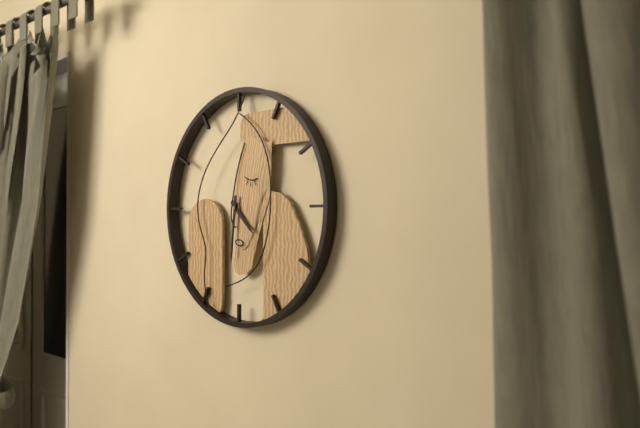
4:31
